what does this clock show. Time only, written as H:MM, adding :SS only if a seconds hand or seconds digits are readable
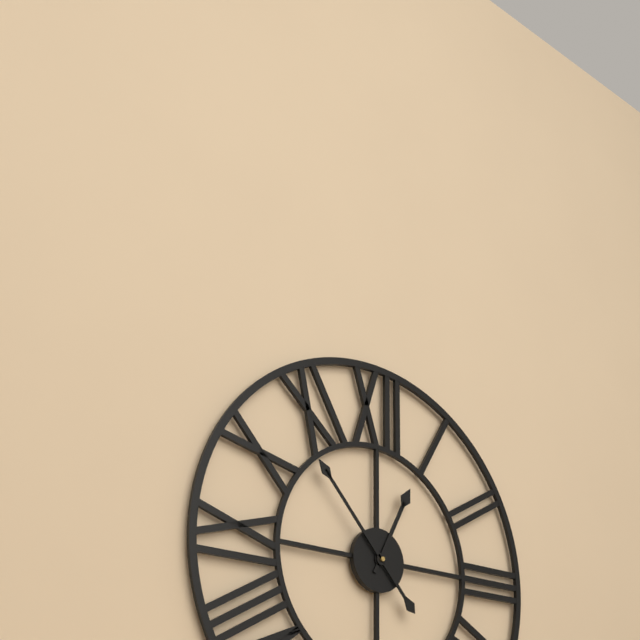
12:53
